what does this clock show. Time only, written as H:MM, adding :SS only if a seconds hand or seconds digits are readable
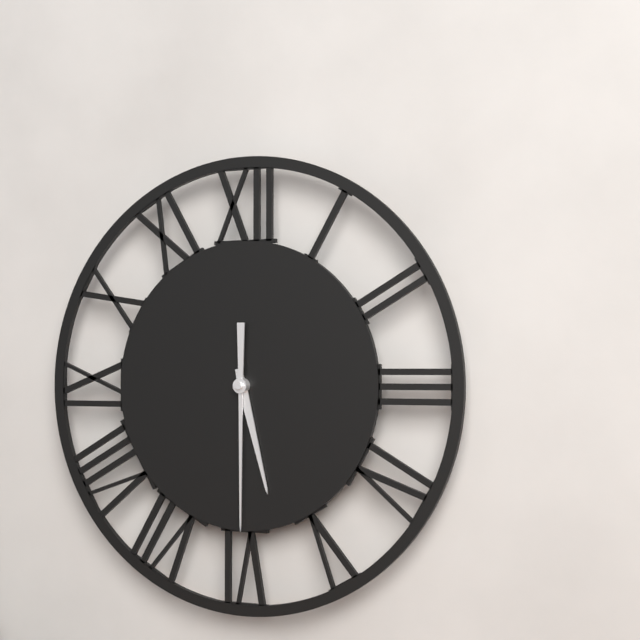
5:30
